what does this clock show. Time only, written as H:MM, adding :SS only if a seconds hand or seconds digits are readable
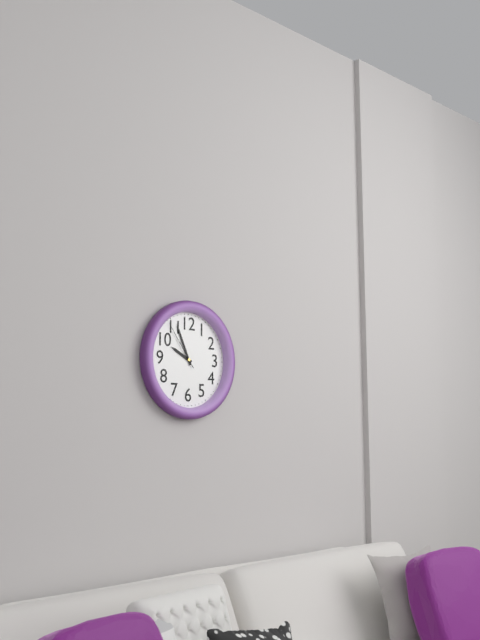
9:56:54
